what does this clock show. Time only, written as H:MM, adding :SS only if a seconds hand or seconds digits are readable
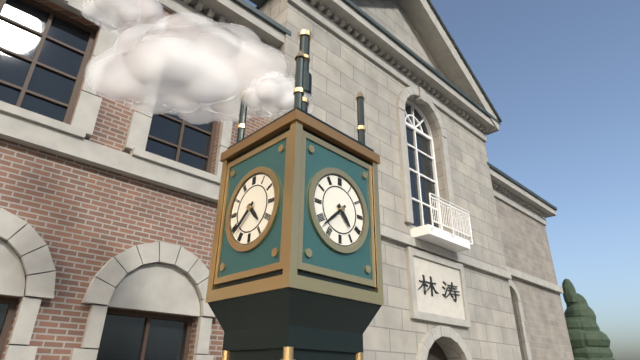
4:38
